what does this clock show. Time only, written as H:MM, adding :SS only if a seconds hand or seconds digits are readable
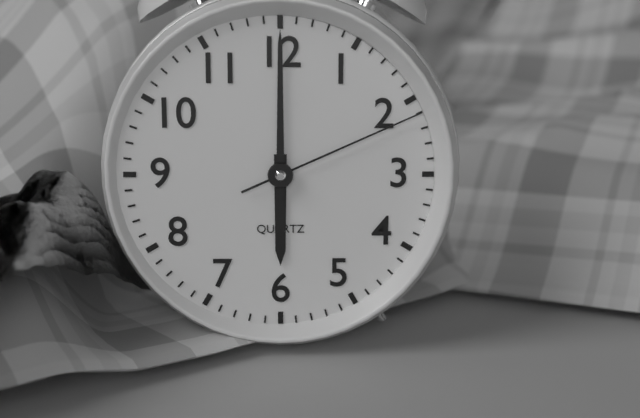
6:00:11
